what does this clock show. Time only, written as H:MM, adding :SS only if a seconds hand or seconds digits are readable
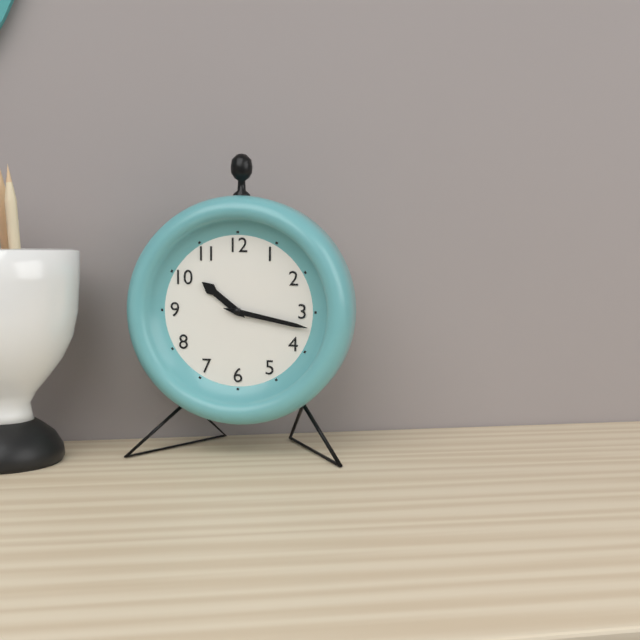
10:17
